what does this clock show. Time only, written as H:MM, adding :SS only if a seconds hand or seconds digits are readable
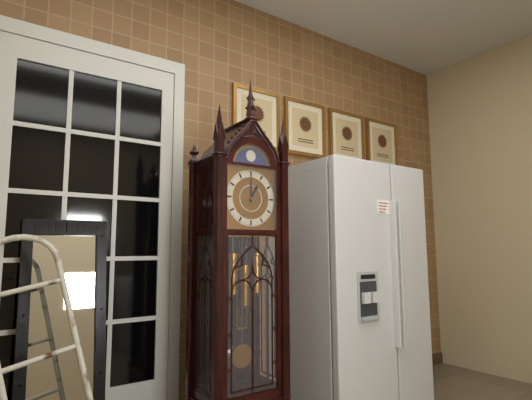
1:00
